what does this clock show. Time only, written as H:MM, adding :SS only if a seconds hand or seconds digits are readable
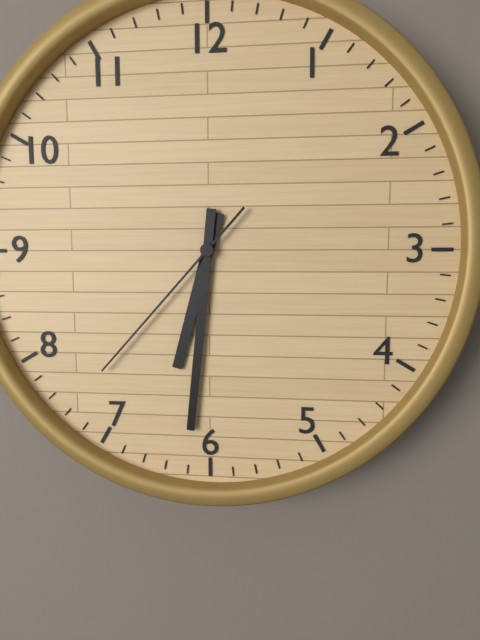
6:31:37
